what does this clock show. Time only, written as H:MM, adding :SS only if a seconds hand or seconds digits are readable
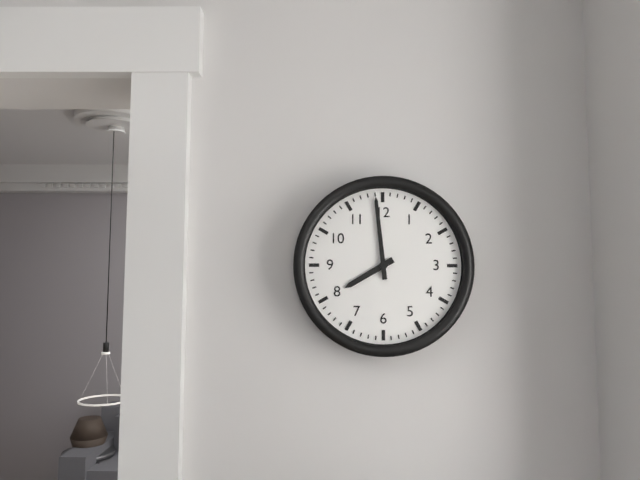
7:59
